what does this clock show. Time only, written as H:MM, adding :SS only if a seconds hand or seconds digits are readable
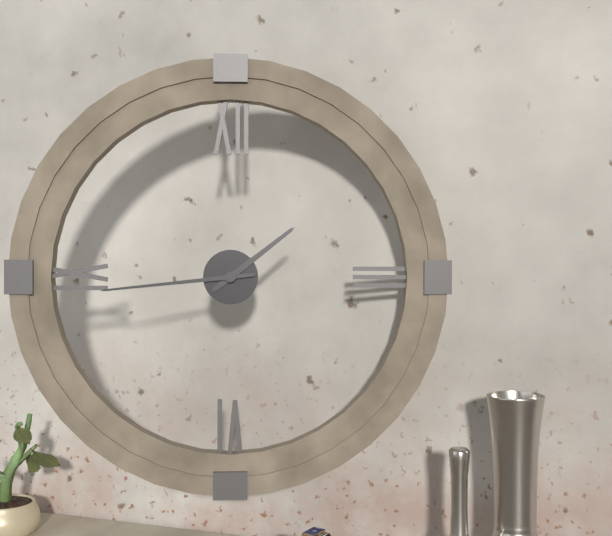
1:44
